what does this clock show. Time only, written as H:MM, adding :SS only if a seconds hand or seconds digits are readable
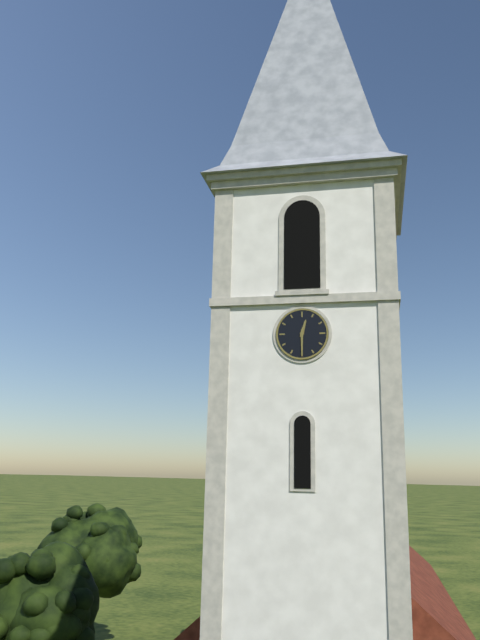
12:30
